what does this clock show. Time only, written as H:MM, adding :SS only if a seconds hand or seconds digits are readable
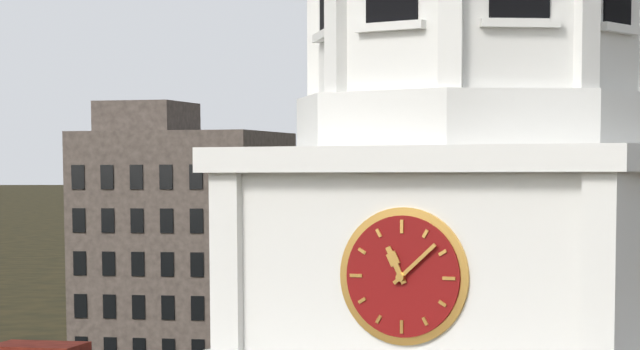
11:08
